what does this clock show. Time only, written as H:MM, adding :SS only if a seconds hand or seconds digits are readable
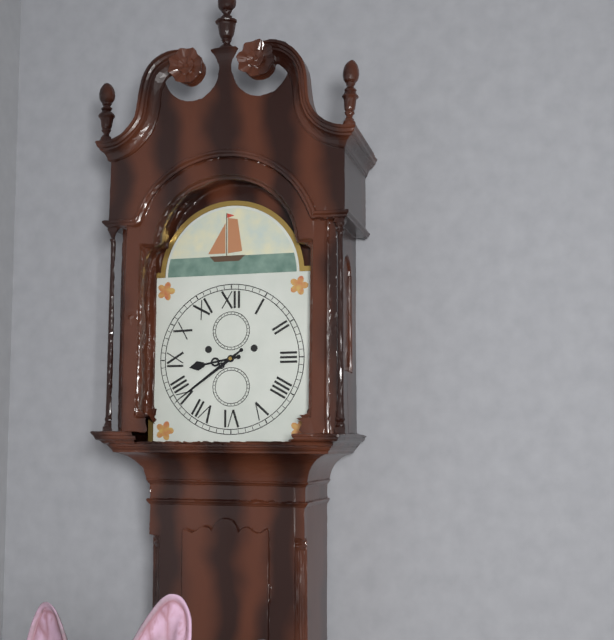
8:39
